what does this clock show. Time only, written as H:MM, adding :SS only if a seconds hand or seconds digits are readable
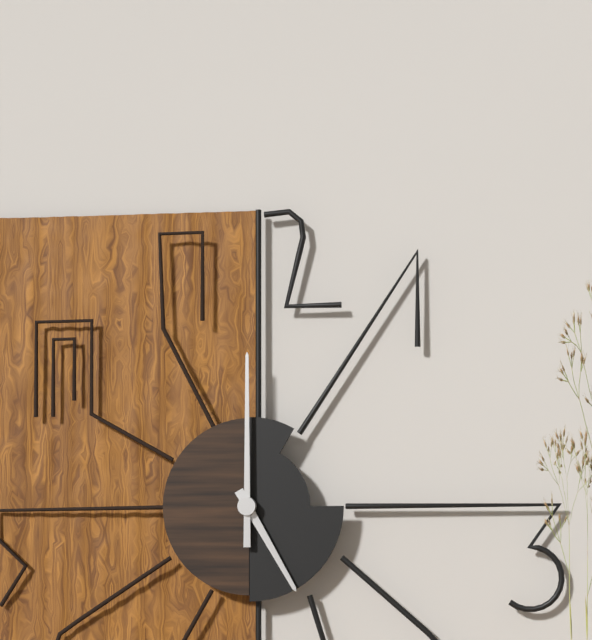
5:00
